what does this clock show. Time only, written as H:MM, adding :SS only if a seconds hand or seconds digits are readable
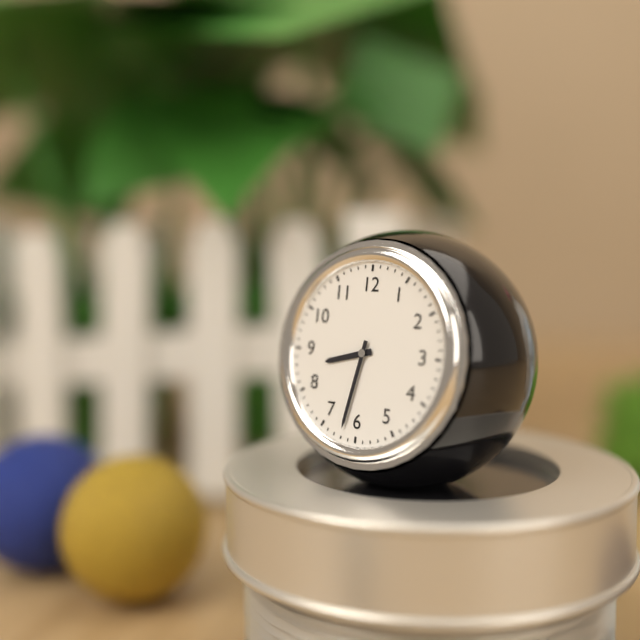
8:32
